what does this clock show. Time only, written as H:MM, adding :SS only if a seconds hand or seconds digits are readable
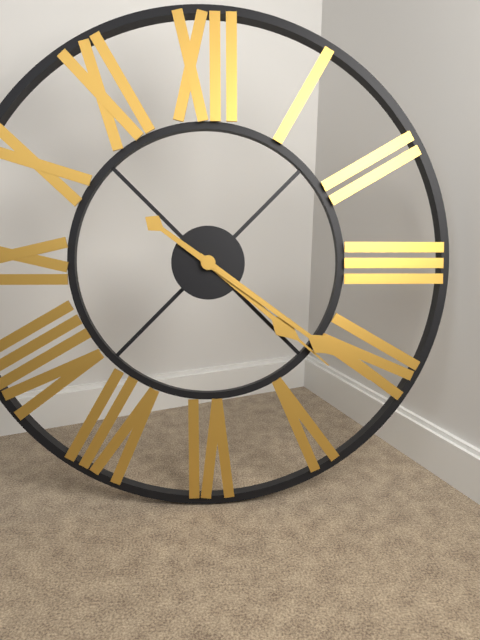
4:21
